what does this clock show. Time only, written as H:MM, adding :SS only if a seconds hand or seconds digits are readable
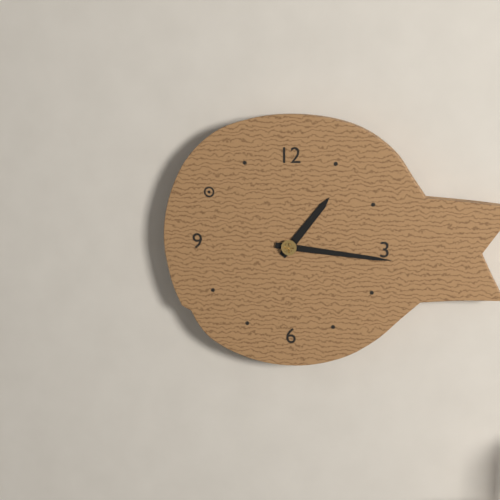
1:16
